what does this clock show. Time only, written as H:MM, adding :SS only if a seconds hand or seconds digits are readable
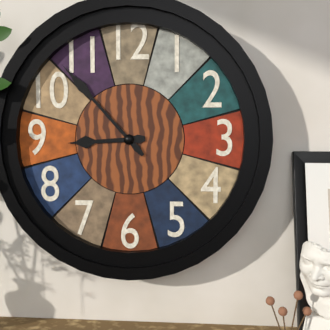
8:53
